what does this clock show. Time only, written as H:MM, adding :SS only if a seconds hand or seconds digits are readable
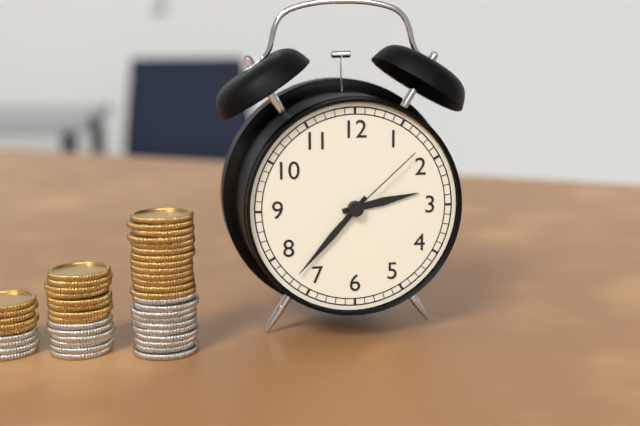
2:37:08
